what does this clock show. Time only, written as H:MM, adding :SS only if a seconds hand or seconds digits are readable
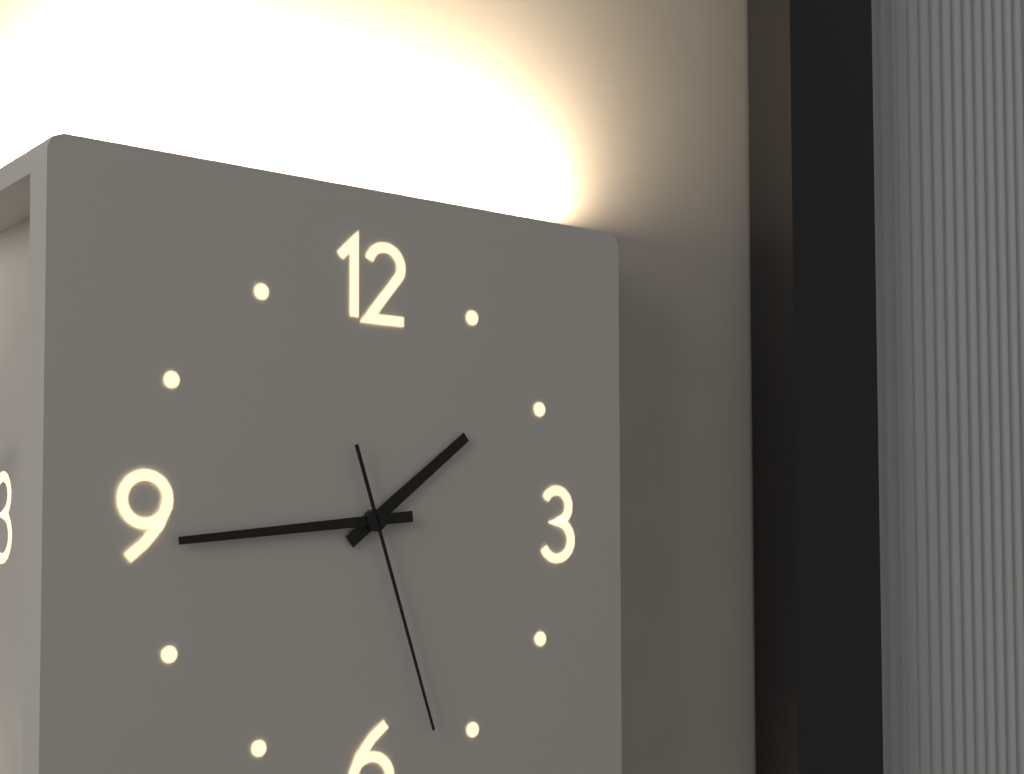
1:44:27
